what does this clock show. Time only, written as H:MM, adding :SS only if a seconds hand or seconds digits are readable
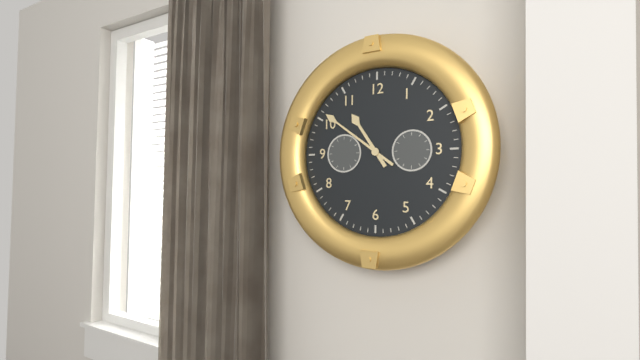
10:51
